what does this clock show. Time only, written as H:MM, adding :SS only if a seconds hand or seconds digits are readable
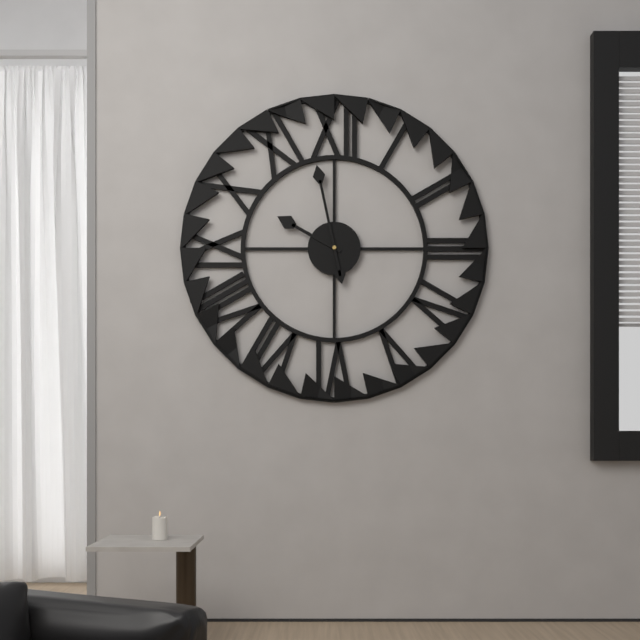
9:58
